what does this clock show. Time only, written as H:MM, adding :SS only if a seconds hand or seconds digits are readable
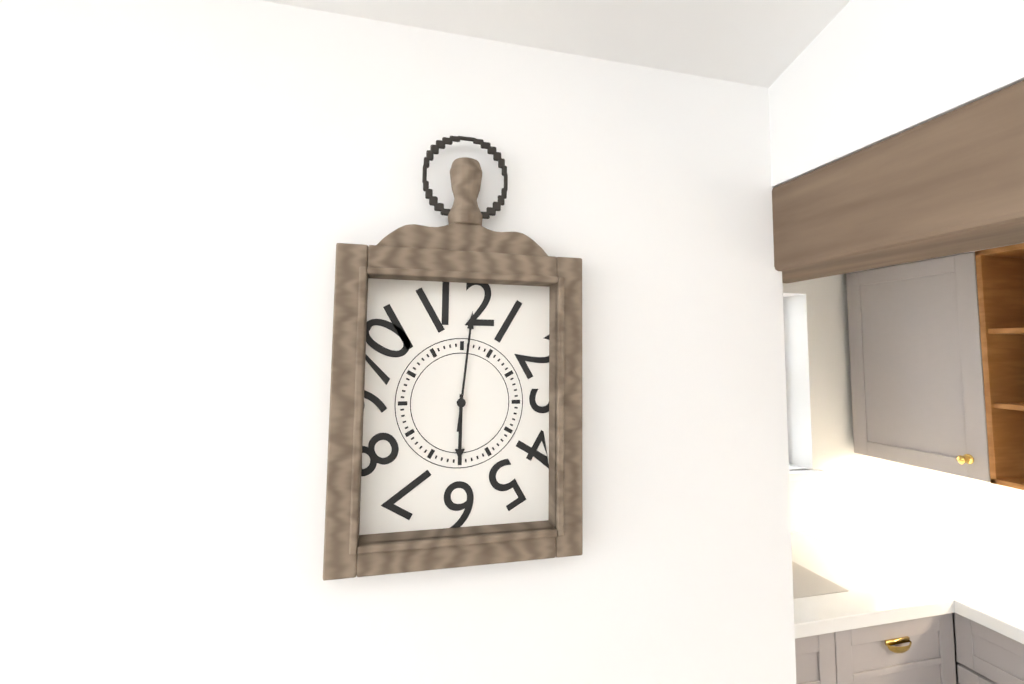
6:01
